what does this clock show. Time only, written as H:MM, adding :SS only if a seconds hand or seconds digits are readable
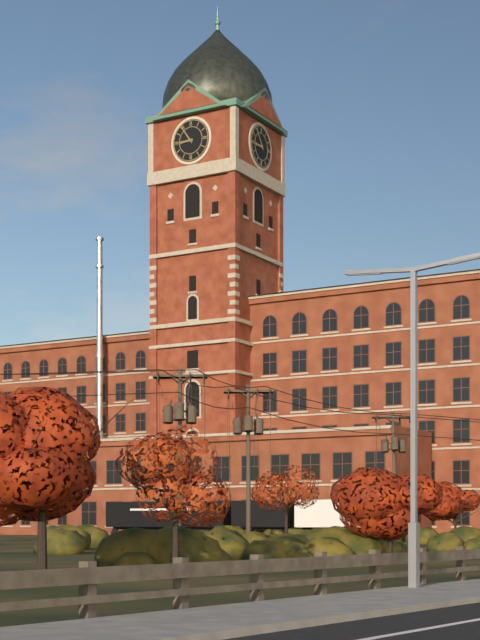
8:54
